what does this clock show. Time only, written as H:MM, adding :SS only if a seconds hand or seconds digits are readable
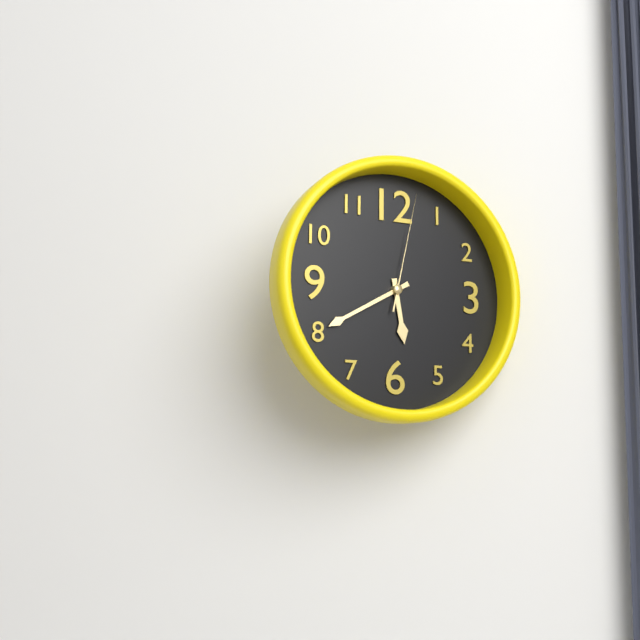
5:40:02
